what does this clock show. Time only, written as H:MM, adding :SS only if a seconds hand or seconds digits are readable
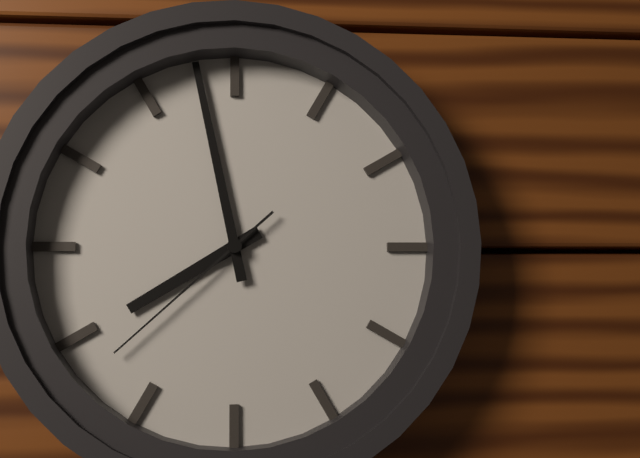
7:58:38
